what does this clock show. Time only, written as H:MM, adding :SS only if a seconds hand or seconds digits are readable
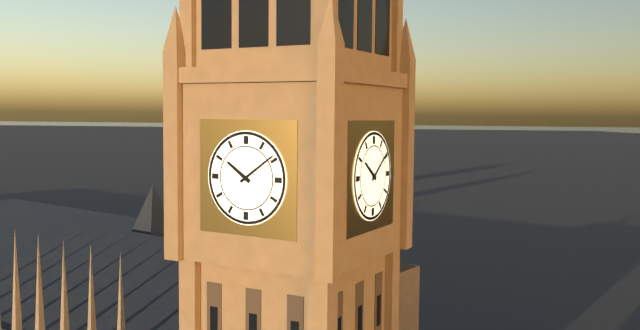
10:09
